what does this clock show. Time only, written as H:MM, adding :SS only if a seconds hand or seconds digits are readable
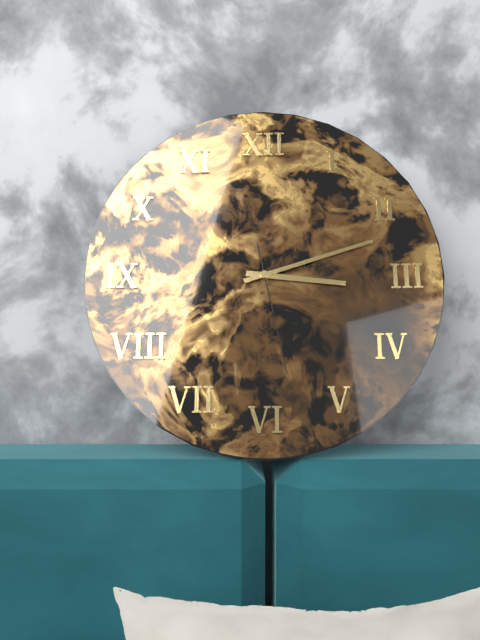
3:12:28
